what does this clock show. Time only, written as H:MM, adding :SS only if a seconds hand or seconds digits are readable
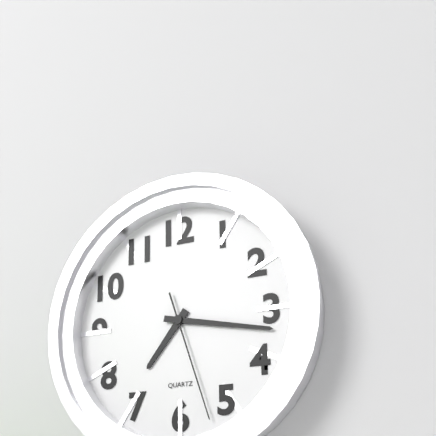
7:17:27
